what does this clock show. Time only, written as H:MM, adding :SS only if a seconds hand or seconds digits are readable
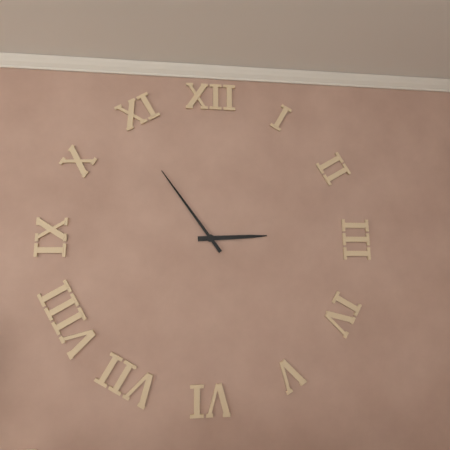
2:54
